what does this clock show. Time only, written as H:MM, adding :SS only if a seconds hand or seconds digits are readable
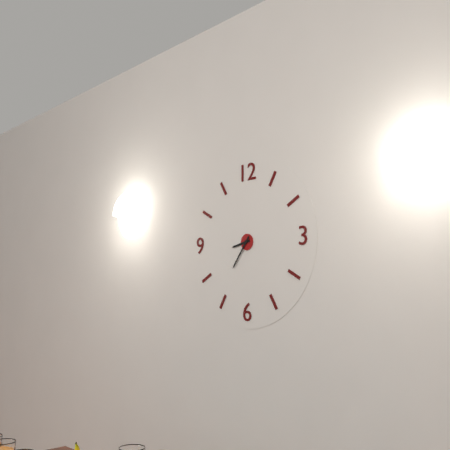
8:36
